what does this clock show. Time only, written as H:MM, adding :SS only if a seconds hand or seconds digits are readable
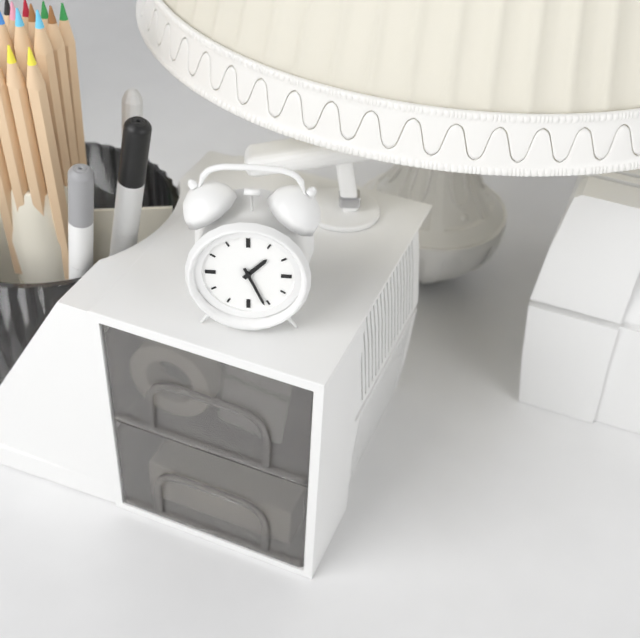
1:26
